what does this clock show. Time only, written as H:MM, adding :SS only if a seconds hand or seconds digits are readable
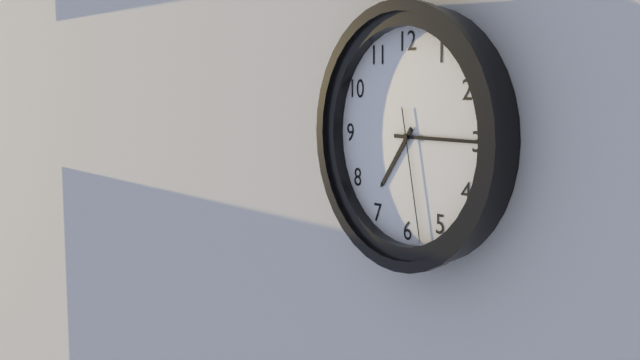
7:15:28
